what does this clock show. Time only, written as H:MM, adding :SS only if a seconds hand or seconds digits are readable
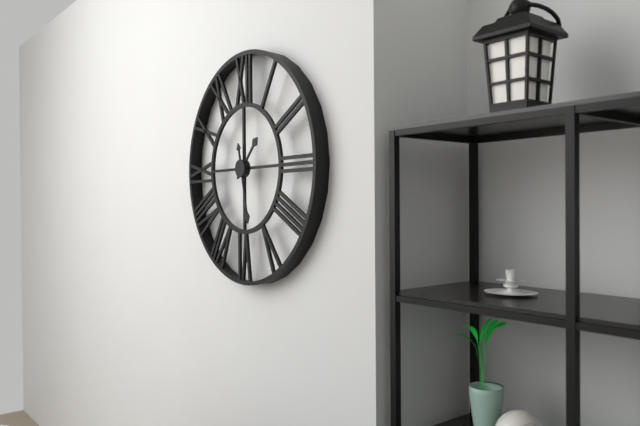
1:28
